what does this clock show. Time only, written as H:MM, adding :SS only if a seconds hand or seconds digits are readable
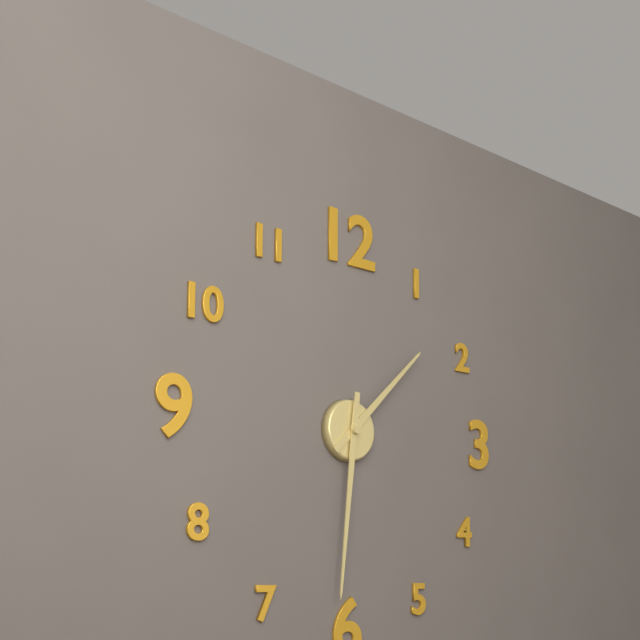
1:31
